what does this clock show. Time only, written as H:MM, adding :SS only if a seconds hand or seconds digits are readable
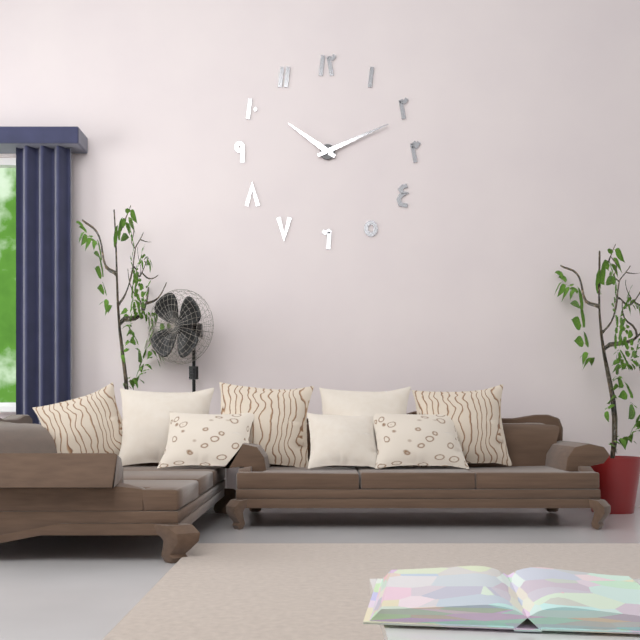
10:11
